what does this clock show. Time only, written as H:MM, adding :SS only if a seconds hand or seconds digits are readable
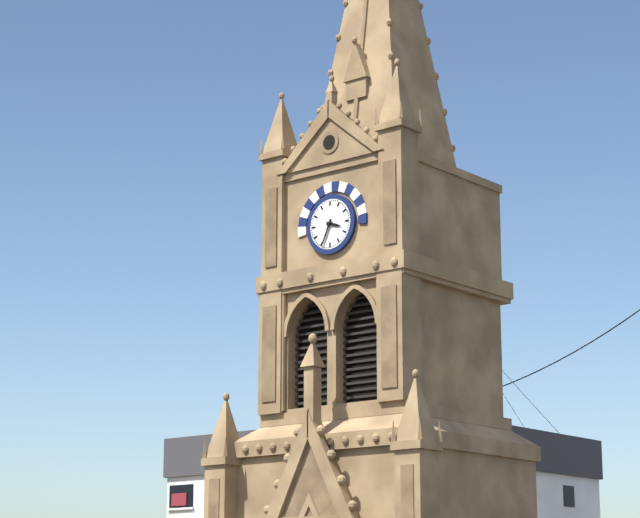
3:34
